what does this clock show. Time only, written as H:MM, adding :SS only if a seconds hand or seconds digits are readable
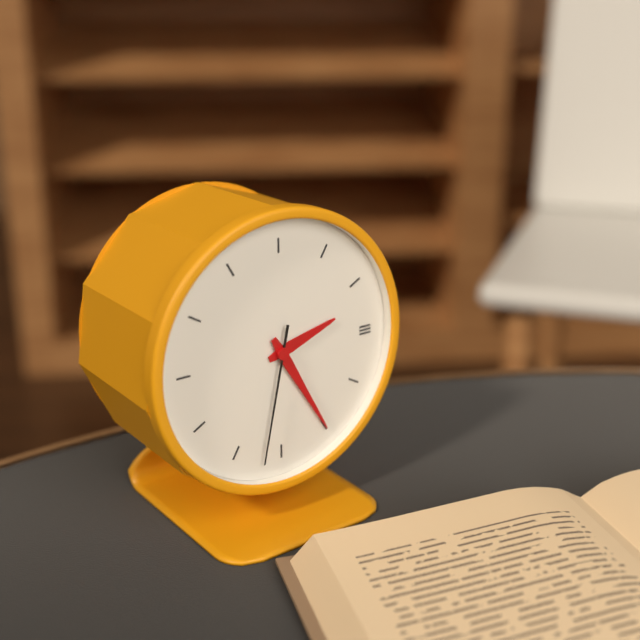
2:25:32
